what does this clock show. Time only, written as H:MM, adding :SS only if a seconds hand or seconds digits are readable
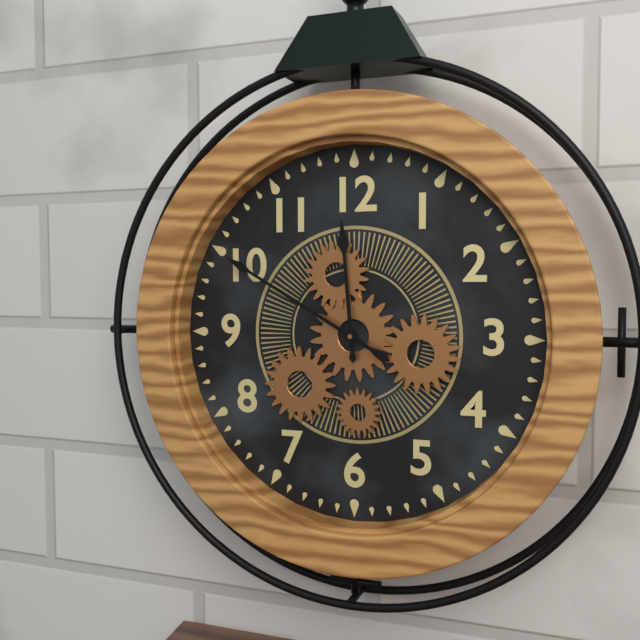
11:50
